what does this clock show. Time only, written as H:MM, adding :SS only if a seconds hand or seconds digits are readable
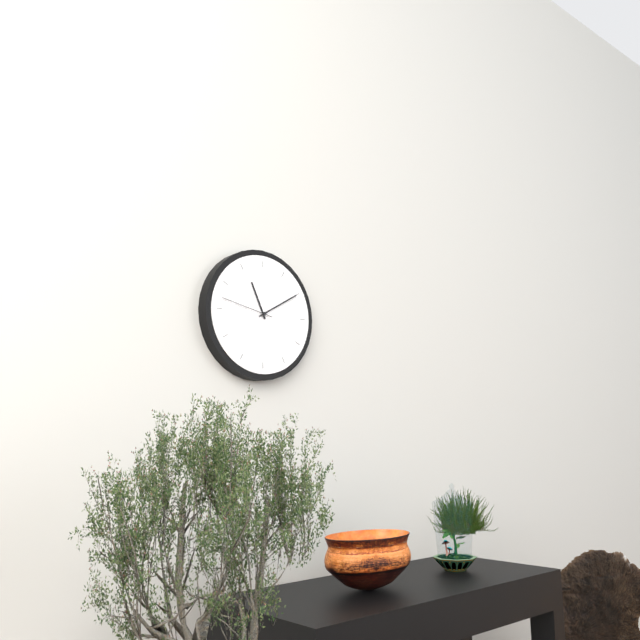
11:10:47
